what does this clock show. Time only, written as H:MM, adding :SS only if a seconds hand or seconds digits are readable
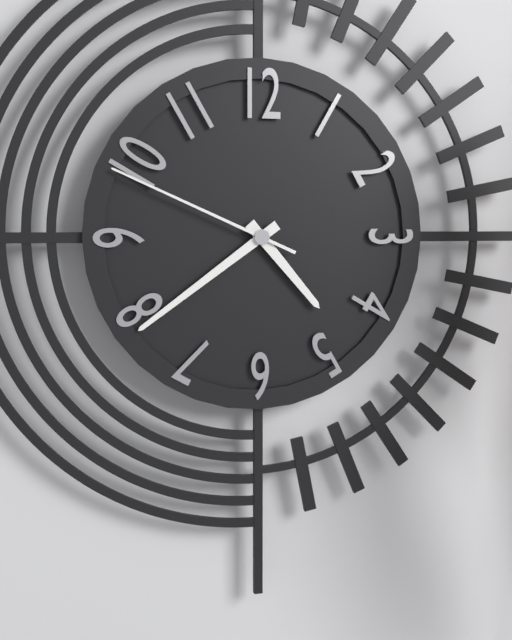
4:39:49
